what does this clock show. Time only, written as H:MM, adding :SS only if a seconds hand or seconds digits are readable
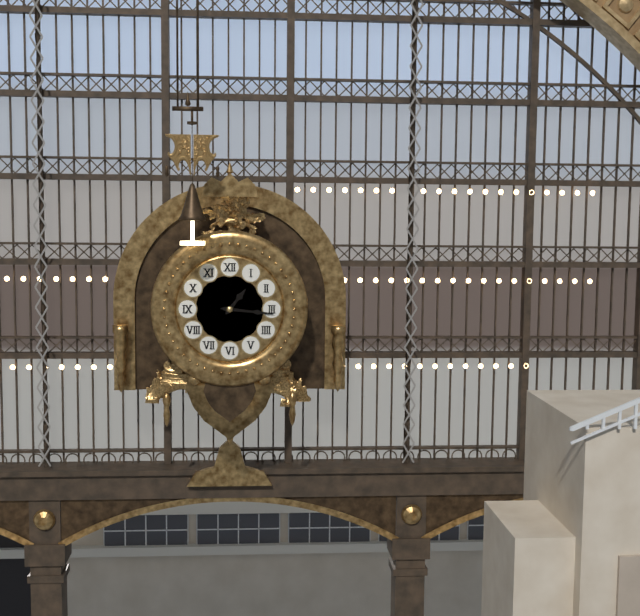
1:16
